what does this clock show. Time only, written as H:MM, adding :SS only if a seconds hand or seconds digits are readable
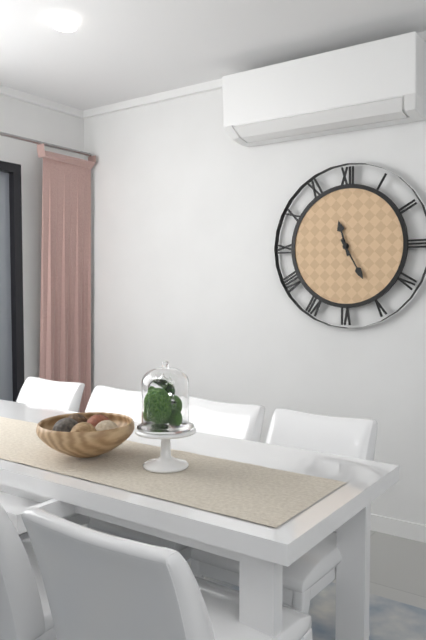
11:25
